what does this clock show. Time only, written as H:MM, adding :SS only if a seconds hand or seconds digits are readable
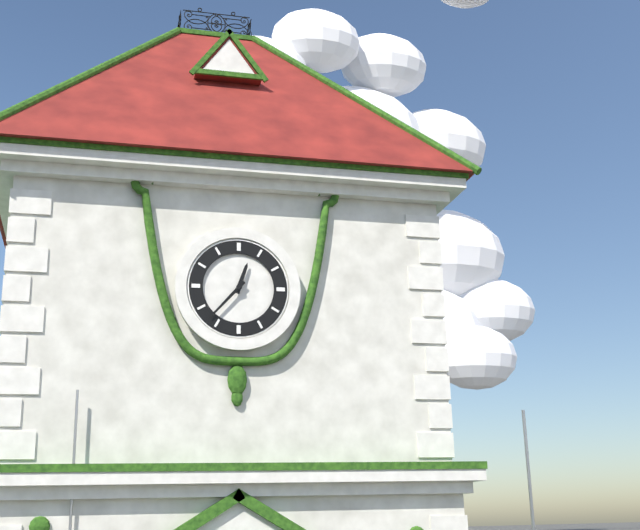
12:37
